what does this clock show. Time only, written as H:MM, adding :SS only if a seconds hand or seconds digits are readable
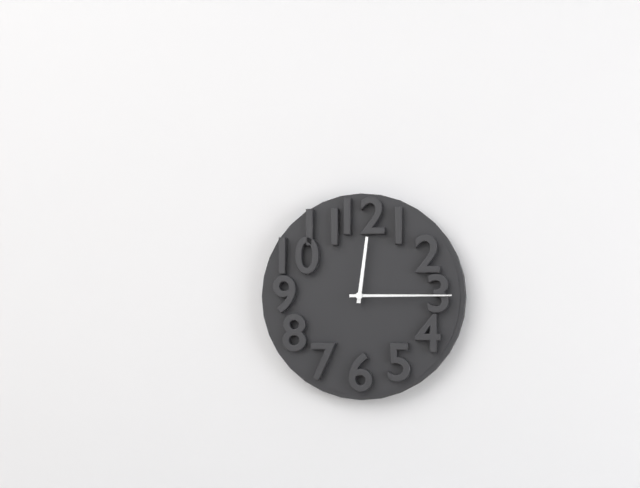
12:15
